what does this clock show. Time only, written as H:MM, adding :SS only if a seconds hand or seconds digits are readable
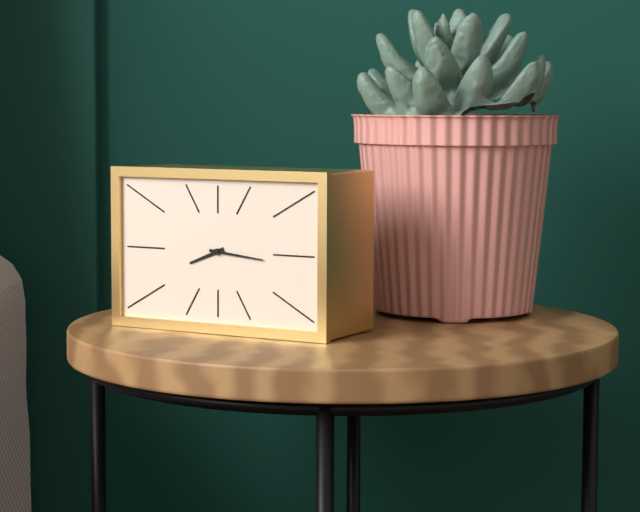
8:16
